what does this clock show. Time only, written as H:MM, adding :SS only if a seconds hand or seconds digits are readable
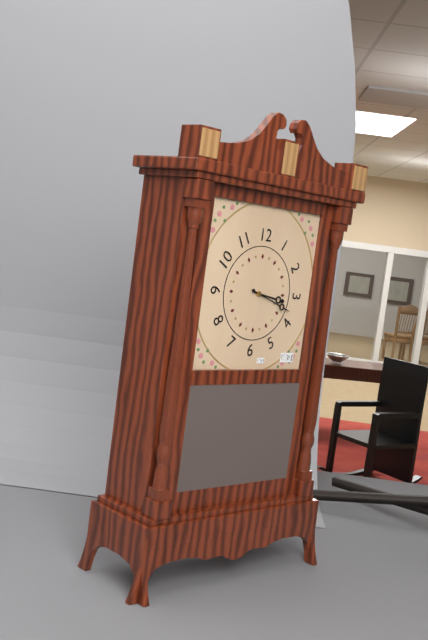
3:18
